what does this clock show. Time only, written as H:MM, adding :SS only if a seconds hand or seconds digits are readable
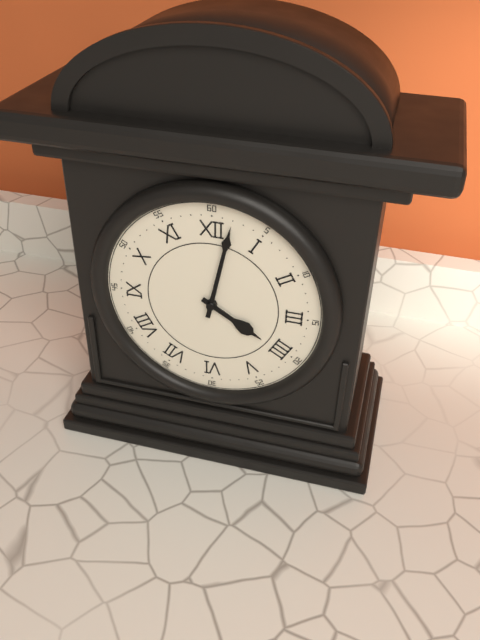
4:02
